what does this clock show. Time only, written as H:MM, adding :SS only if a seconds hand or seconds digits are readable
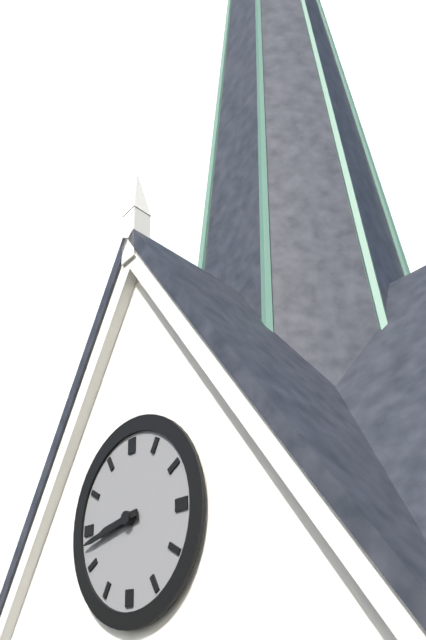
8:43
